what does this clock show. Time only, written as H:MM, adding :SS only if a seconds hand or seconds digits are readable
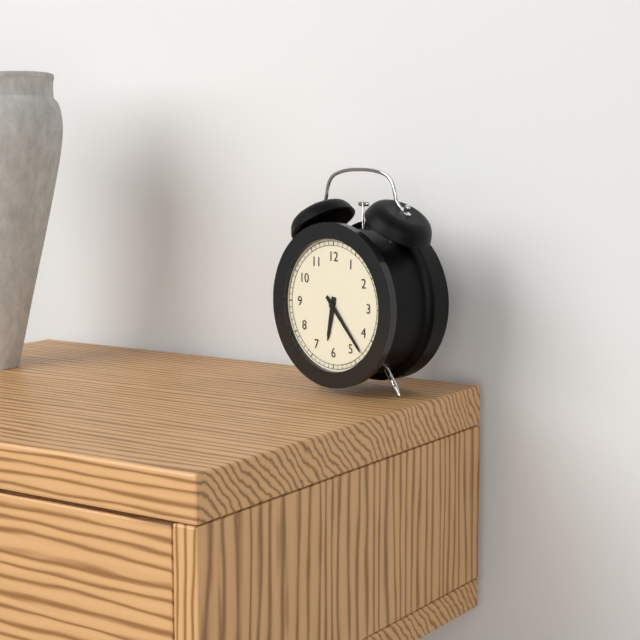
6:23
